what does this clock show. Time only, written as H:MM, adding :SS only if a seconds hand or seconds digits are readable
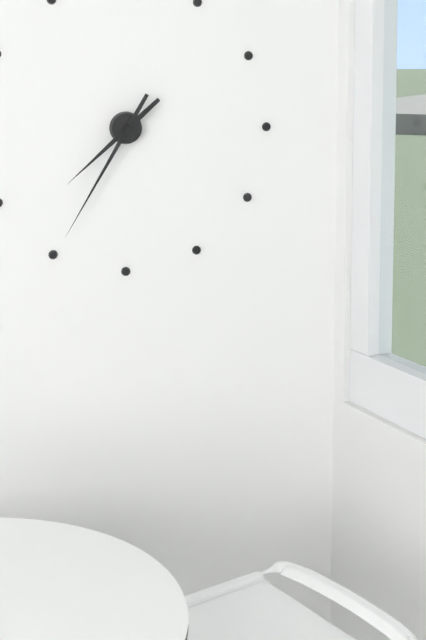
7:35
